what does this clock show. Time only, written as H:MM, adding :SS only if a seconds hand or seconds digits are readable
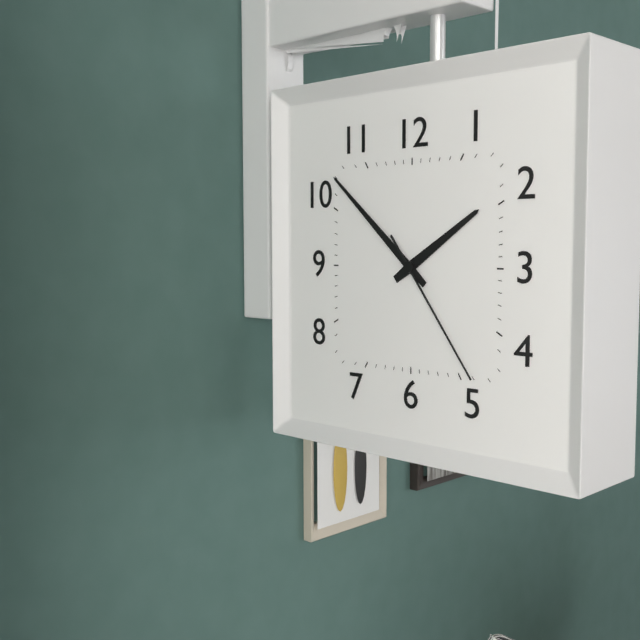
1:52:24
